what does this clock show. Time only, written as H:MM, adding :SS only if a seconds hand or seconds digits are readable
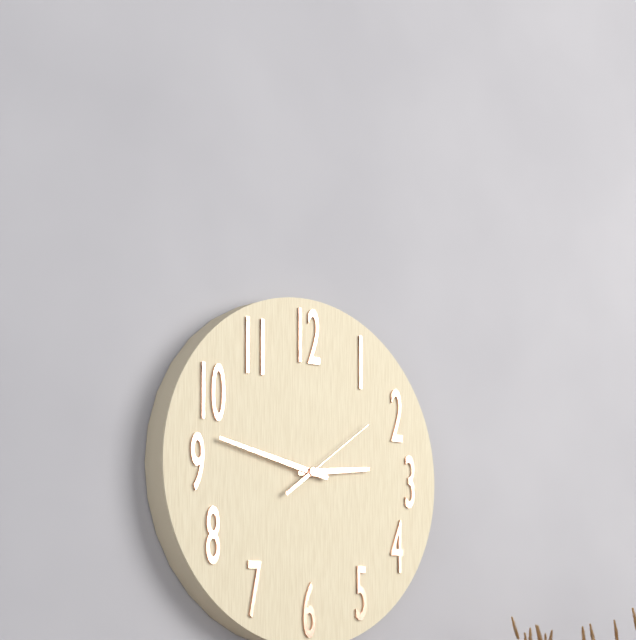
2:47:09
